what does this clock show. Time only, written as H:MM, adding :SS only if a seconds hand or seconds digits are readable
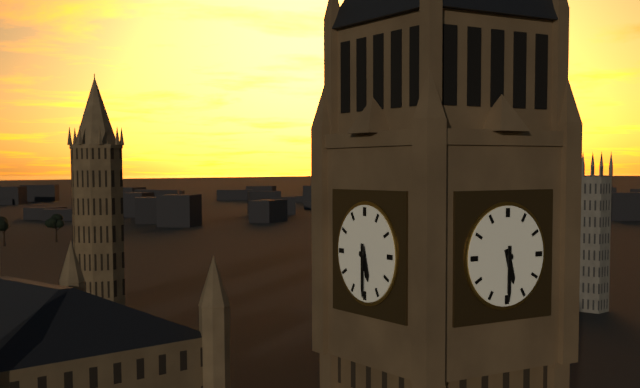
5:30
